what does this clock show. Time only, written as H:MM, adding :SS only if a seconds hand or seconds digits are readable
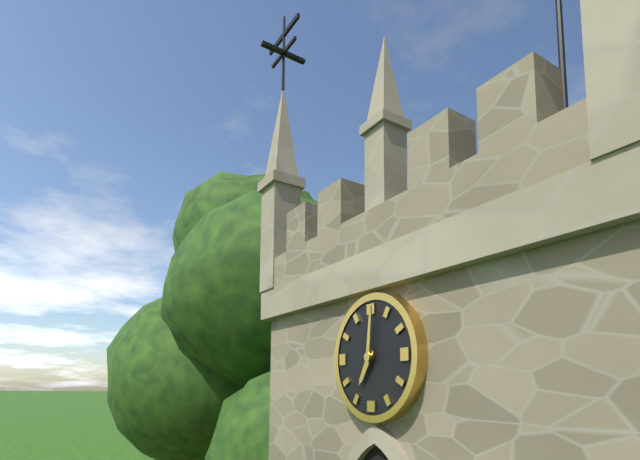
7:01
